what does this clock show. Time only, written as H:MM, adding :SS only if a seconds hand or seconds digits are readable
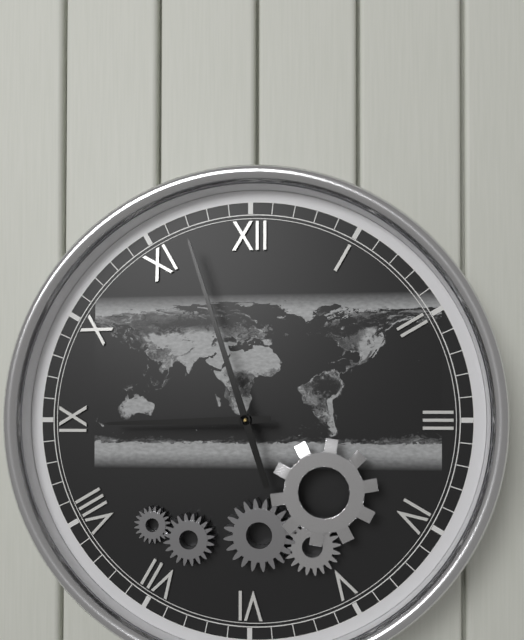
8:57
